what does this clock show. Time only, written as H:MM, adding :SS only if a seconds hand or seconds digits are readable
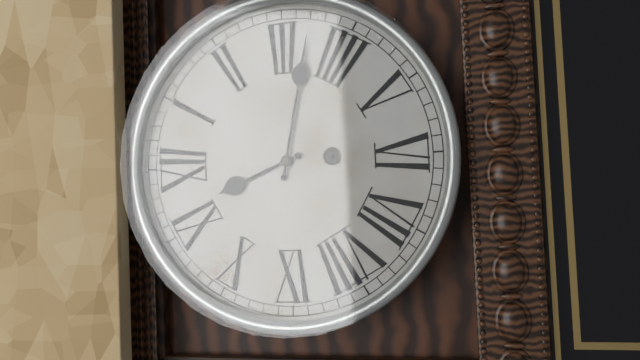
11:17
